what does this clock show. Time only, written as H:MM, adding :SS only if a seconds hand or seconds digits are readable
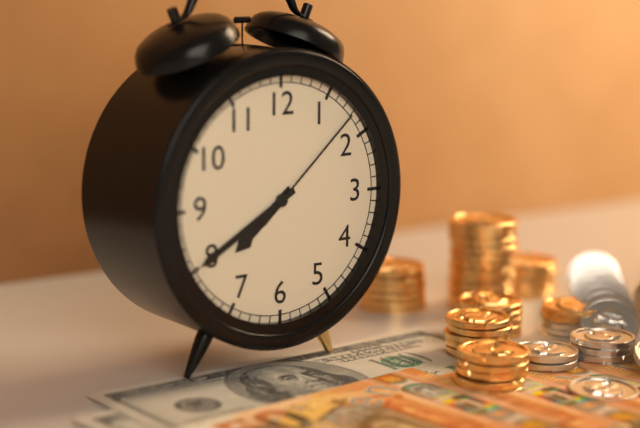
7:40:08
